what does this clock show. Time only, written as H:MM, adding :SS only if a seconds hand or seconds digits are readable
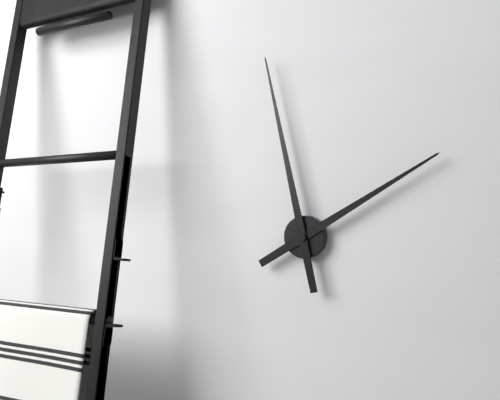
1:58
